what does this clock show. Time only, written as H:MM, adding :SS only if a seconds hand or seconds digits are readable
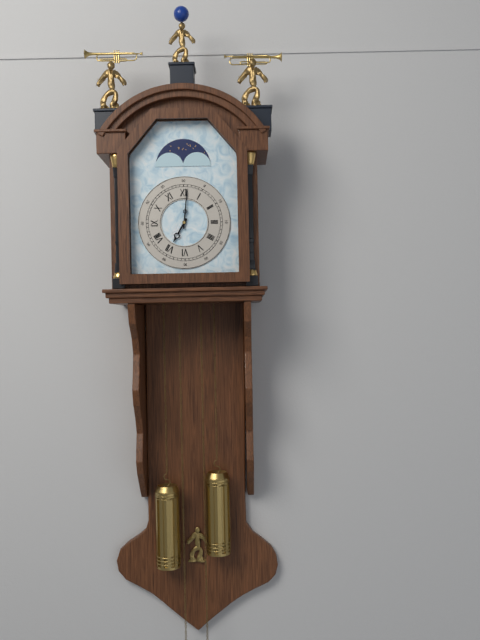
7:01
